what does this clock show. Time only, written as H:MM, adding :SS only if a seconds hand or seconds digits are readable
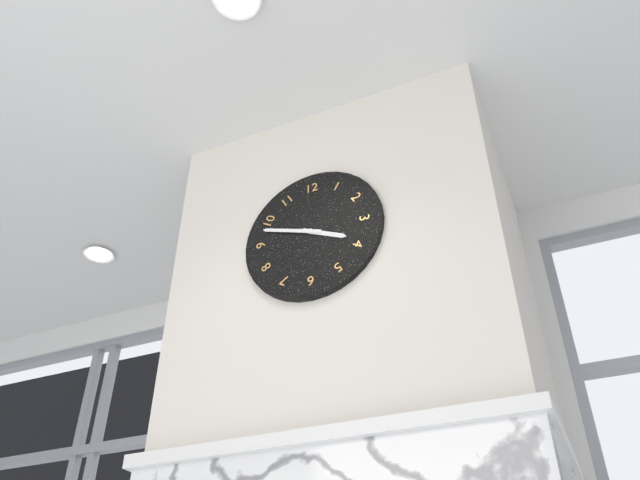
3:48
